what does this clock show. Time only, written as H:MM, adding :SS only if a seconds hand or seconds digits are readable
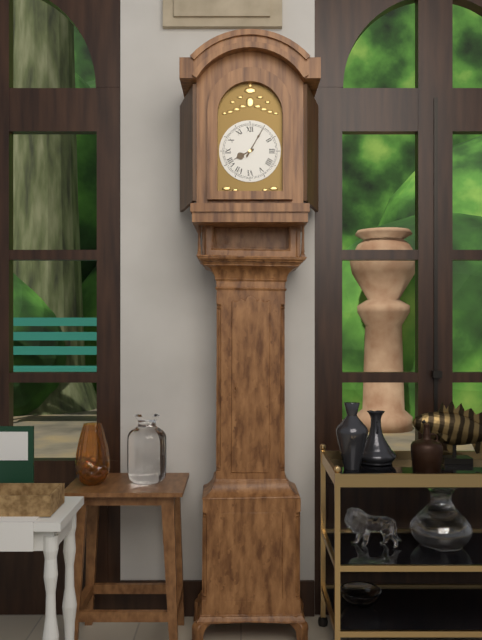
8:05
